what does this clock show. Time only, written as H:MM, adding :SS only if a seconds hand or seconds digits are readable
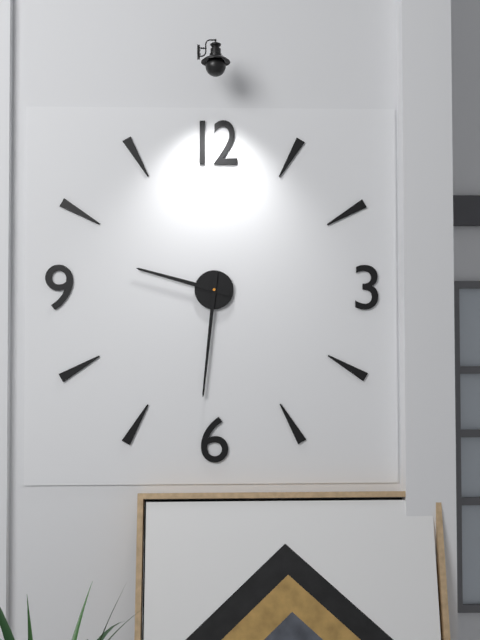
9:31
